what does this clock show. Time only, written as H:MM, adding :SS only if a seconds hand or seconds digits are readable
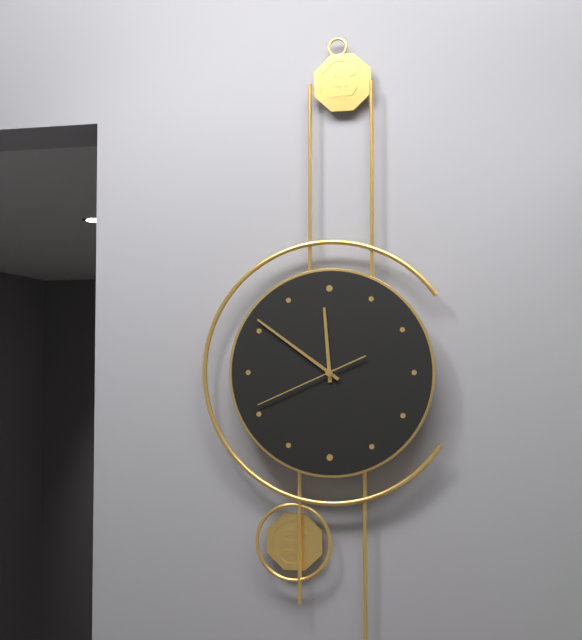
11:51:41
